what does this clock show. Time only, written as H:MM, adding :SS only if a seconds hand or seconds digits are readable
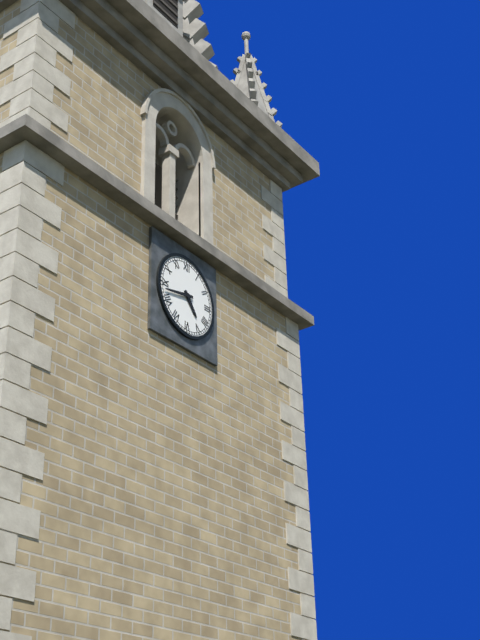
4:43
